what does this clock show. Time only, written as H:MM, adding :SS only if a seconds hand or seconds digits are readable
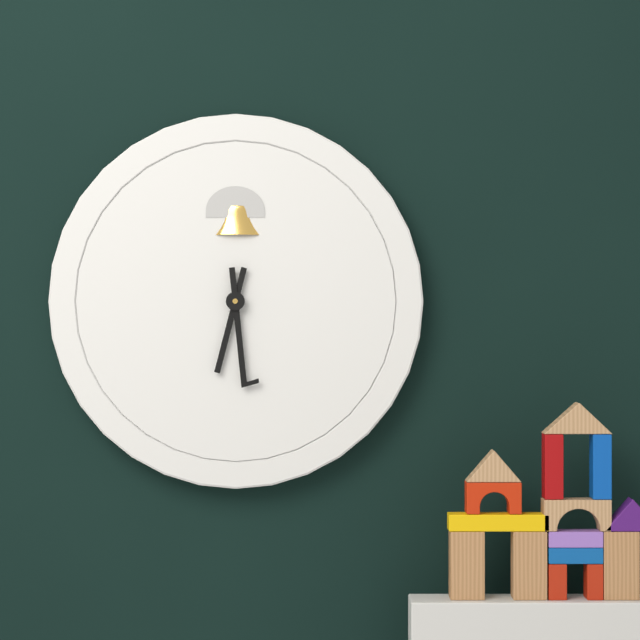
6:29
